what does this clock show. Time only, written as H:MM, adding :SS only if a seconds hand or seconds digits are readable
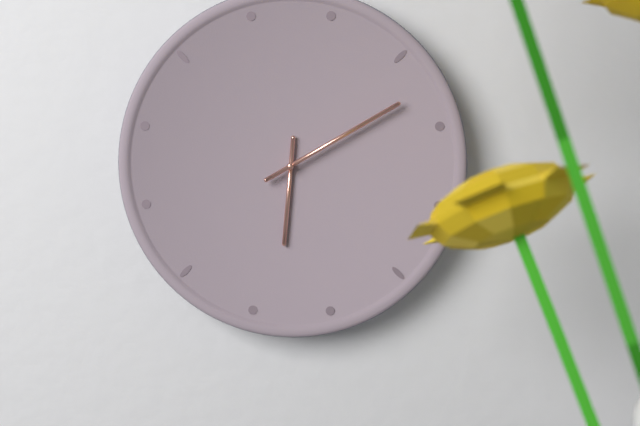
6:10
